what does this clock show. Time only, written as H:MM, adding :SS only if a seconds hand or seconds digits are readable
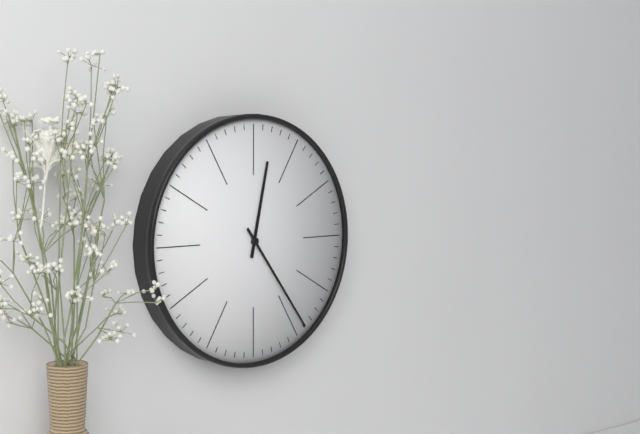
12:24
